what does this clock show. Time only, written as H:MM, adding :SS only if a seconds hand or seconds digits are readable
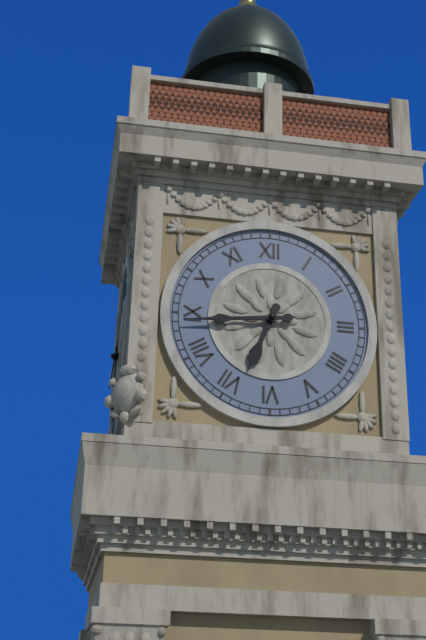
6:44
